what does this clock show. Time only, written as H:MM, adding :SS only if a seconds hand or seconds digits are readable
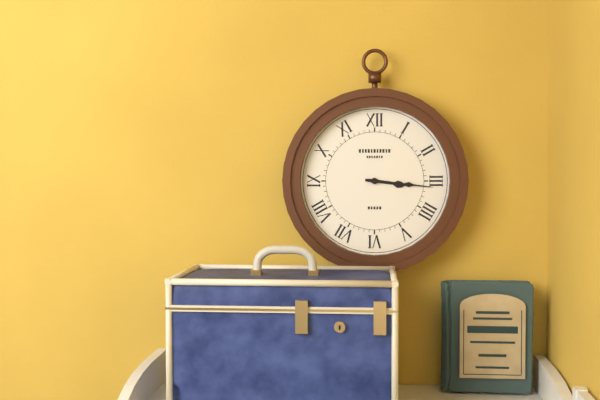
3:16
